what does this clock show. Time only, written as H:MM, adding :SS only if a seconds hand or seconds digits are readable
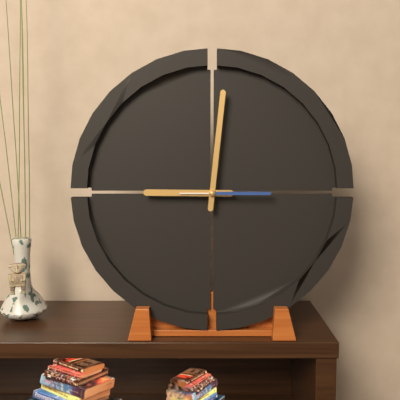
9:01:15
